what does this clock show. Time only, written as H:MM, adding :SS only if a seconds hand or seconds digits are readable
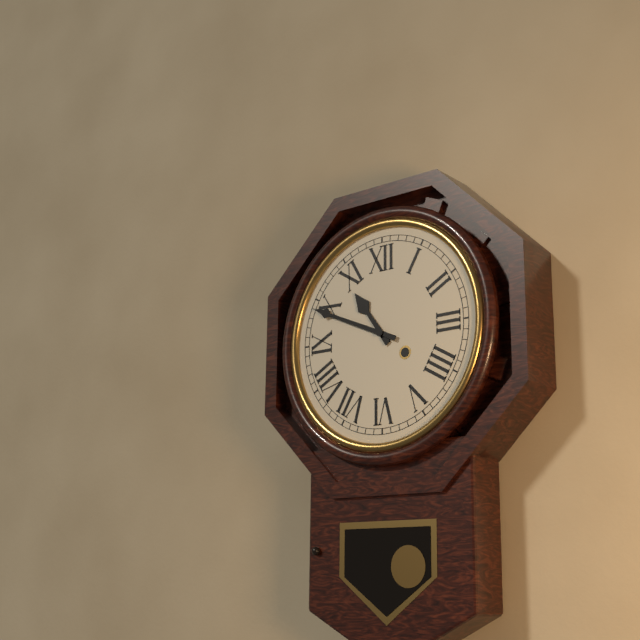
10:49
